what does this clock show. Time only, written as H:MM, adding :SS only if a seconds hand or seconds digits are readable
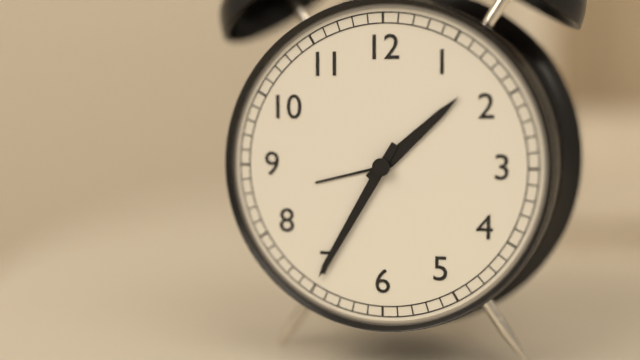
1:35
